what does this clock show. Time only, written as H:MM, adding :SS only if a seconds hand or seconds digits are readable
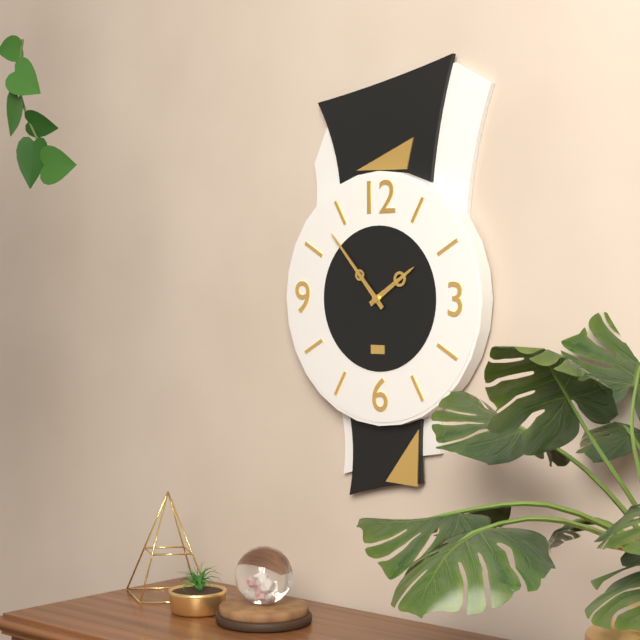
1:53
